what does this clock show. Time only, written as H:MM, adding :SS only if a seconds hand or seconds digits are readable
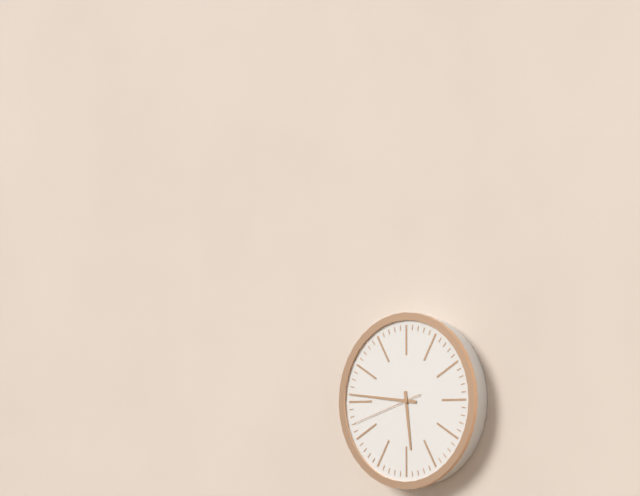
5:46:42
